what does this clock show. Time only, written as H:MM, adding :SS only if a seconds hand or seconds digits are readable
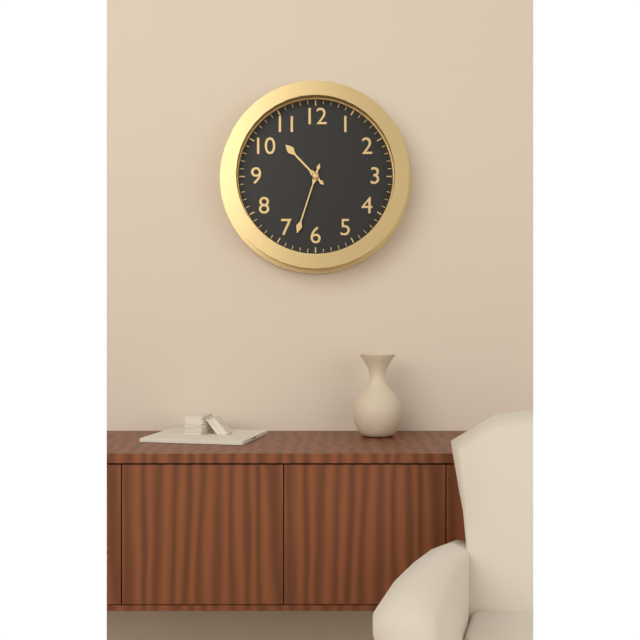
10:33
